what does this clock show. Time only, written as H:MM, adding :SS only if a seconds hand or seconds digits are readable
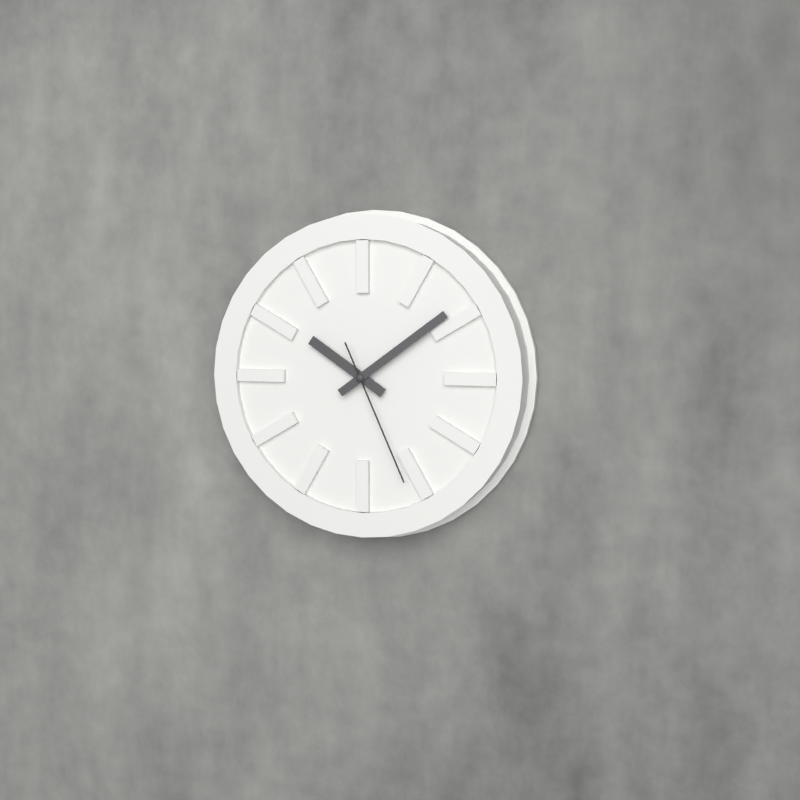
10:09:26
